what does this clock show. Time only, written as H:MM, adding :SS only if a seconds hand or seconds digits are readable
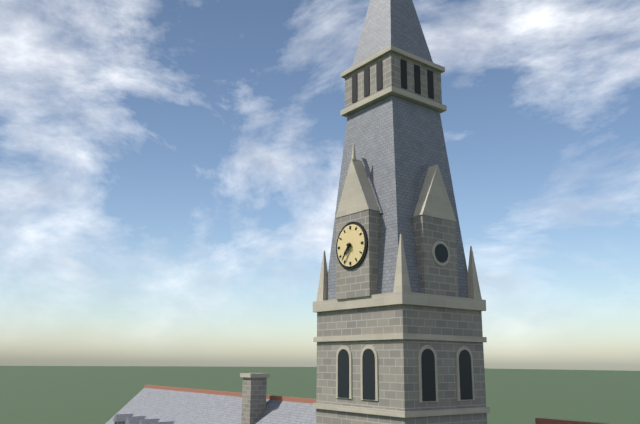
7:36
